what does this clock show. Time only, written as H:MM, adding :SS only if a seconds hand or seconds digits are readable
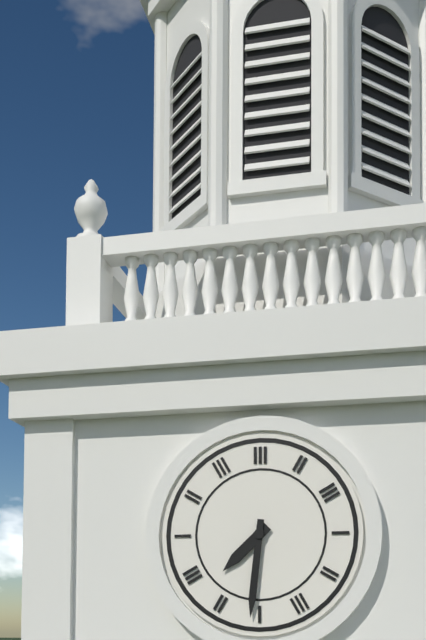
7:31
